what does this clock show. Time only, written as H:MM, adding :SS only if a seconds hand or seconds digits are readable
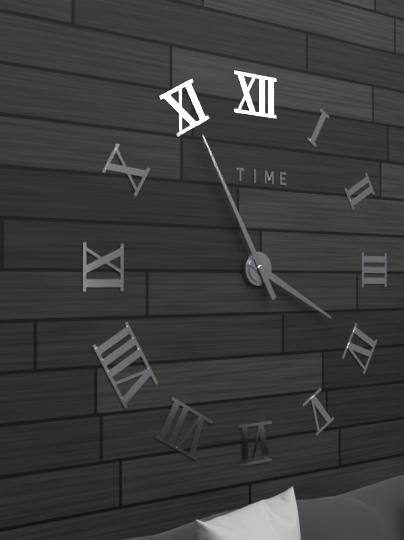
3:55
